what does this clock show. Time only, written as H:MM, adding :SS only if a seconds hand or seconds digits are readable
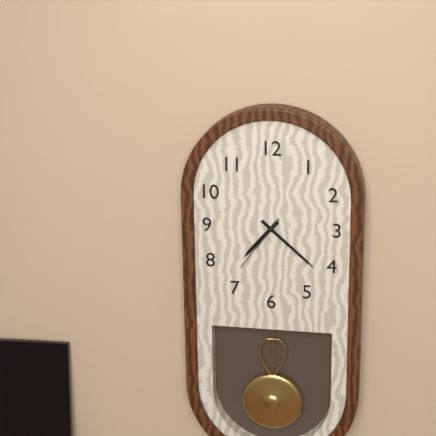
7:22:36
